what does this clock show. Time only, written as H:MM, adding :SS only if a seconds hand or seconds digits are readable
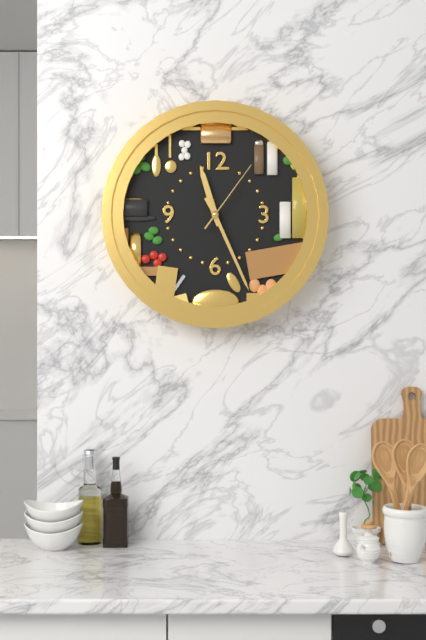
11:26:06
